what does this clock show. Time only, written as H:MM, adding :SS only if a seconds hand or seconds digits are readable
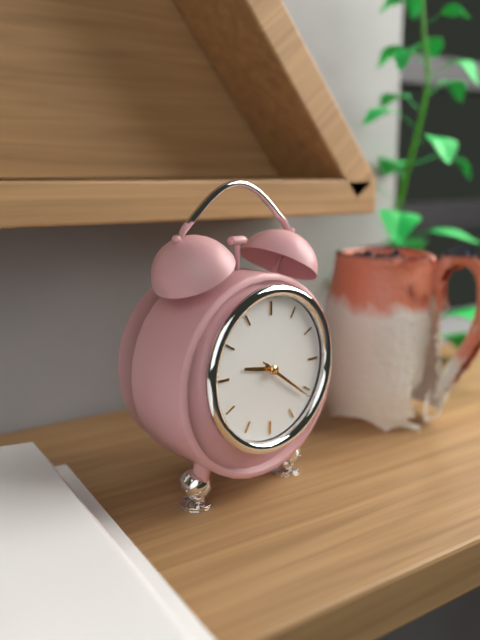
9:21:21
